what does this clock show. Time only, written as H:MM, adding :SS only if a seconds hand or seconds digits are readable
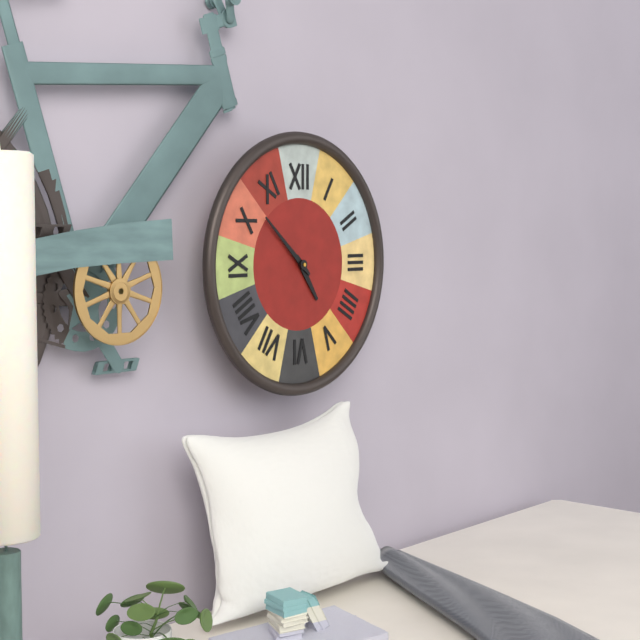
4:52
